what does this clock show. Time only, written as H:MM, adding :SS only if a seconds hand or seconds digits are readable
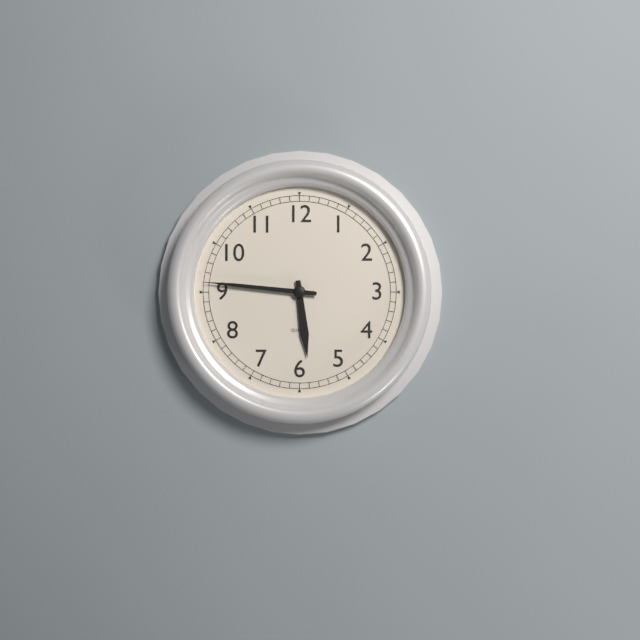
5:46
